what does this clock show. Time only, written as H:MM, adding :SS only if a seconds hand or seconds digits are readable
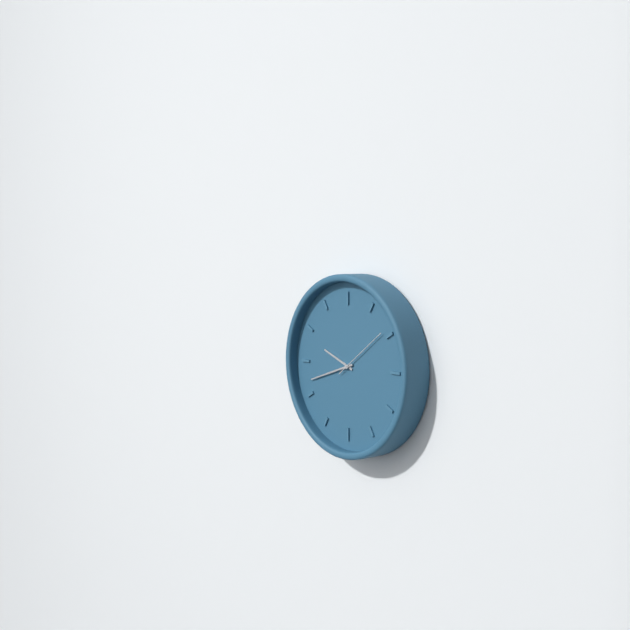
9:42:09
